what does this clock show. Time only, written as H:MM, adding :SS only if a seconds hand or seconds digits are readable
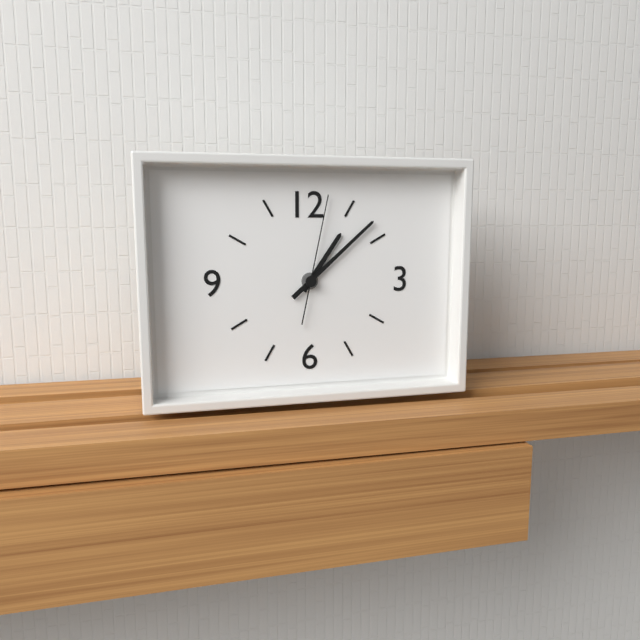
1:08:02
